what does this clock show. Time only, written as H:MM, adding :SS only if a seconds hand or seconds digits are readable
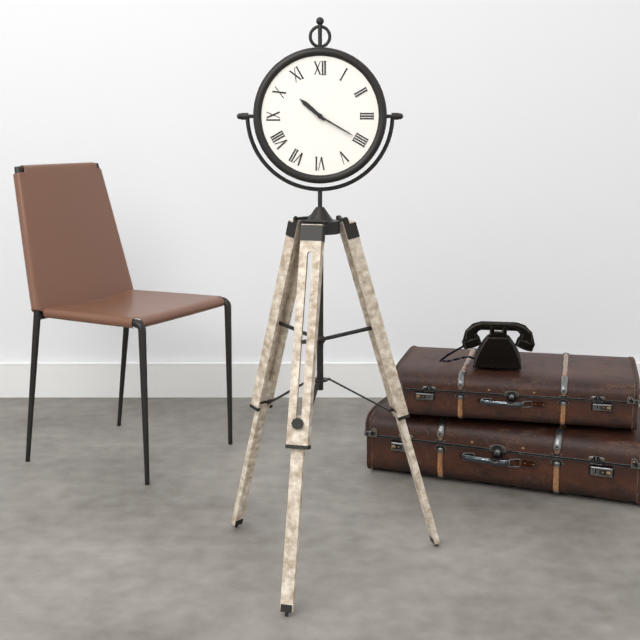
10:20
